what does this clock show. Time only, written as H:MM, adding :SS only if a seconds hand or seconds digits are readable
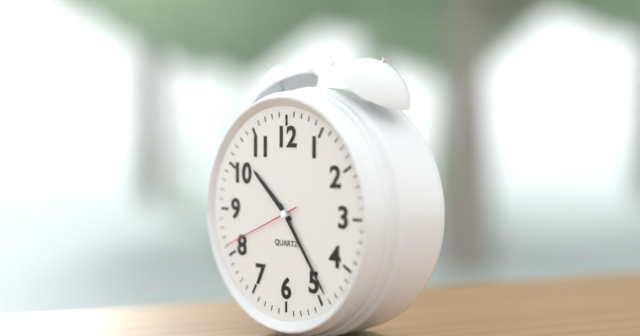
10:24:41
